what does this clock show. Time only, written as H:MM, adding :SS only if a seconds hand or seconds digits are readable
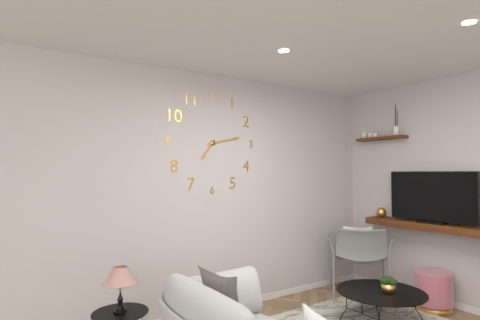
7:13
